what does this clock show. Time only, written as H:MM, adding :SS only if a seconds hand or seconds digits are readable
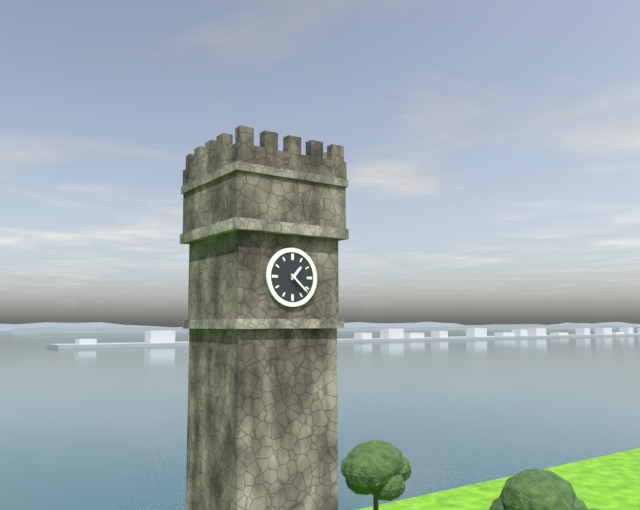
1:22
